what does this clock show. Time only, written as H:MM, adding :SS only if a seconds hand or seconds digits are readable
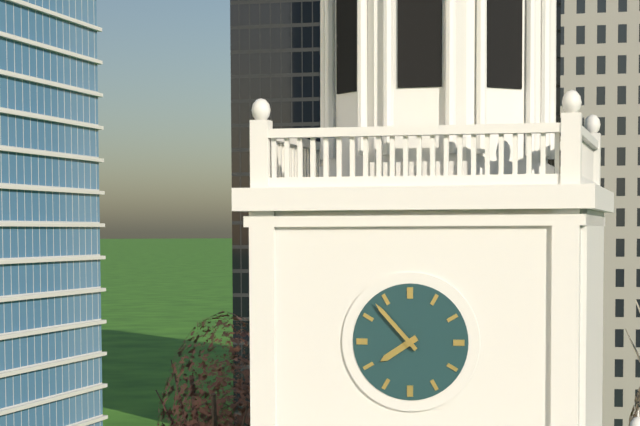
7:53
